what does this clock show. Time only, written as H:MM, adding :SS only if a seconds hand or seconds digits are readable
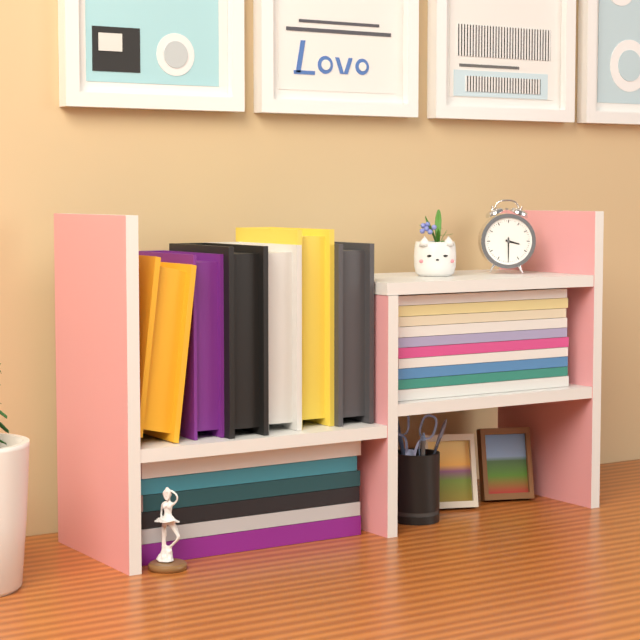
3:30
